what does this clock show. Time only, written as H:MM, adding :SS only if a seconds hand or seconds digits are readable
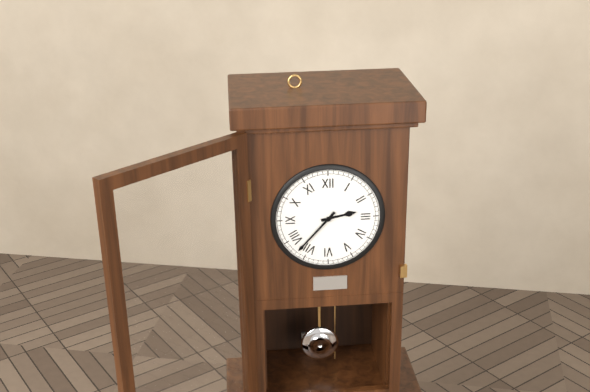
2:37
